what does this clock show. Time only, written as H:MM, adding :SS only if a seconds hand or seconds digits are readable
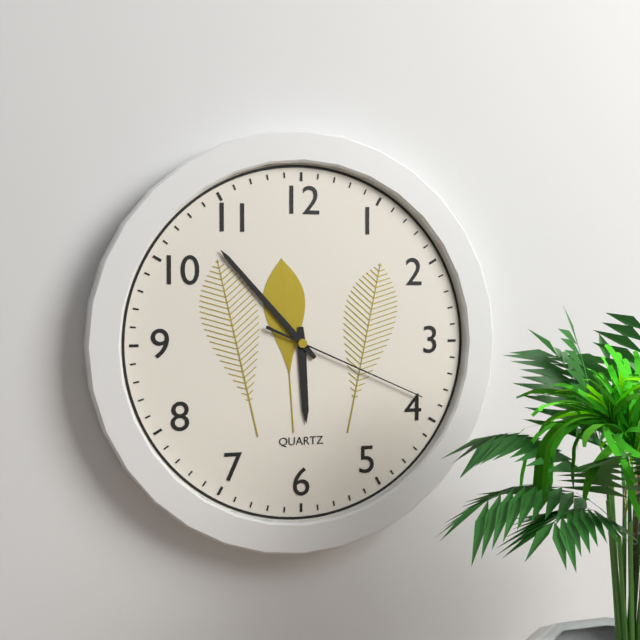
5:53:19
